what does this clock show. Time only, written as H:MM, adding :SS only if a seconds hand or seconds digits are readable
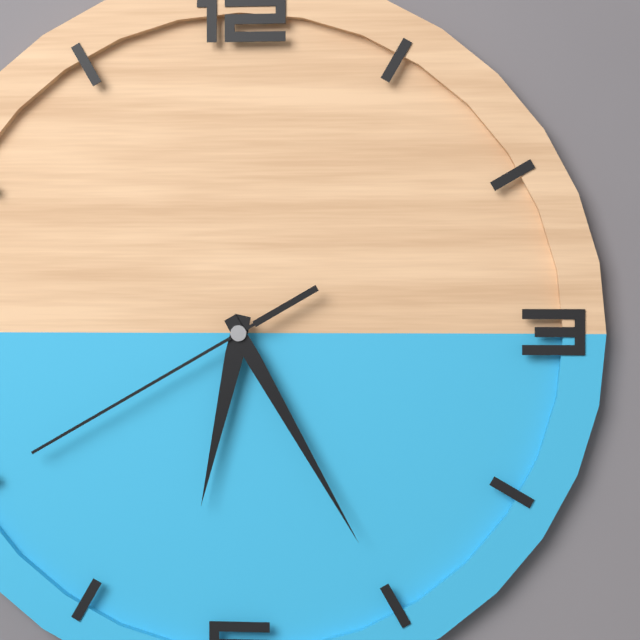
6:25:40
